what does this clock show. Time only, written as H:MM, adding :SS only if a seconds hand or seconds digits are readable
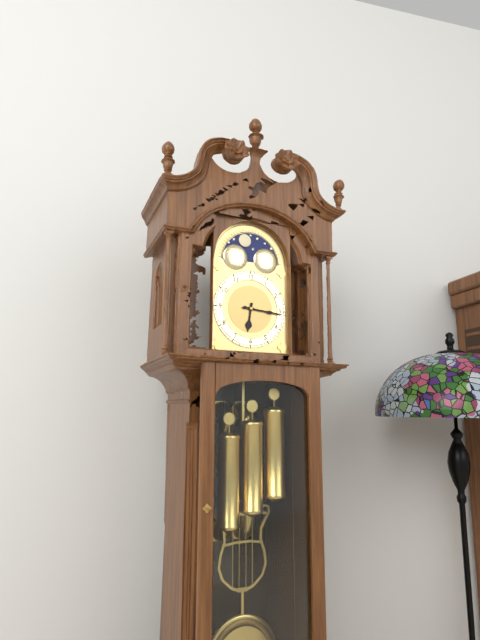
6:16
